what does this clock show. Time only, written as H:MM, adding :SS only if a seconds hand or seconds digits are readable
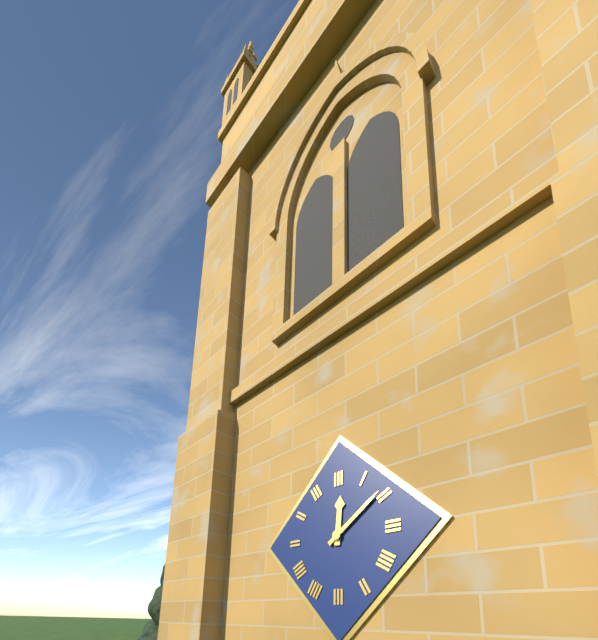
12:09
